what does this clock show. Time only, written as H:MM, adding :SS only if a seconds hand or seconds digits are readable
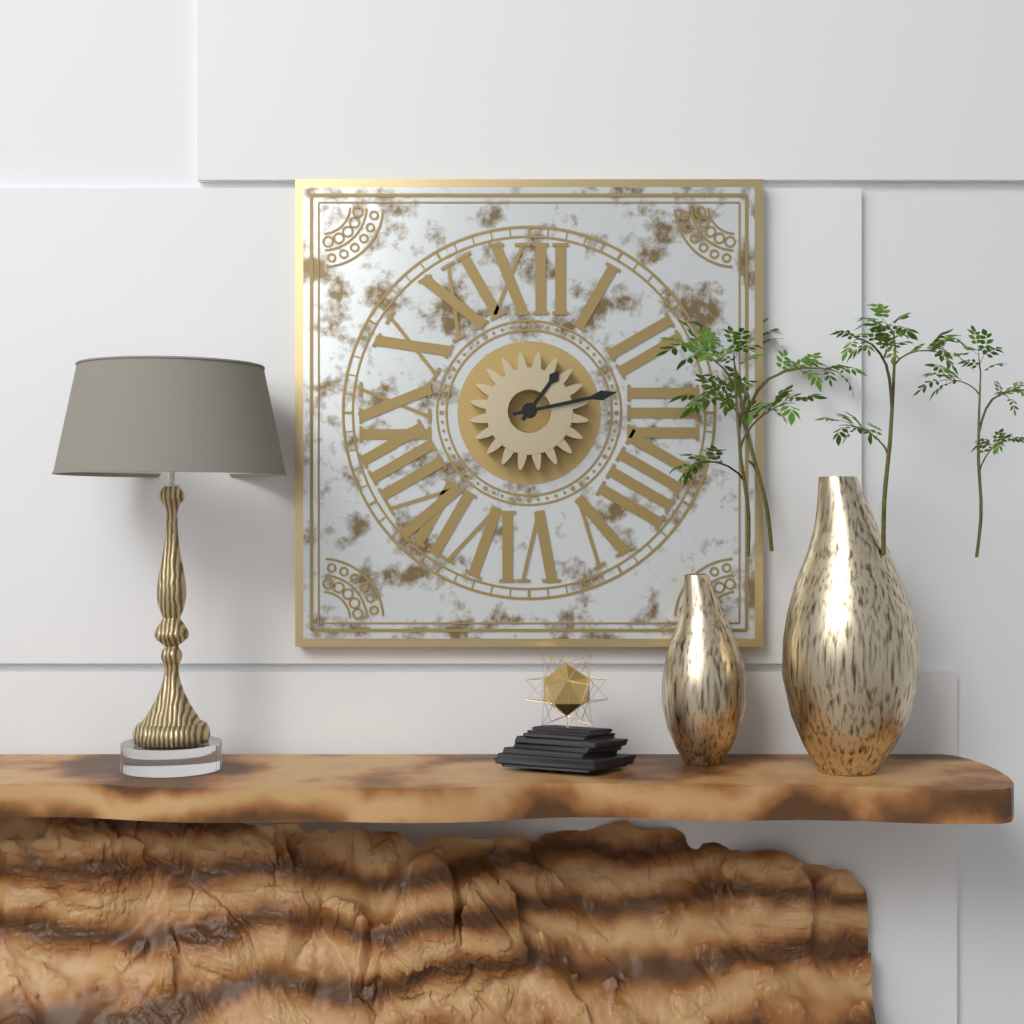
1:13
